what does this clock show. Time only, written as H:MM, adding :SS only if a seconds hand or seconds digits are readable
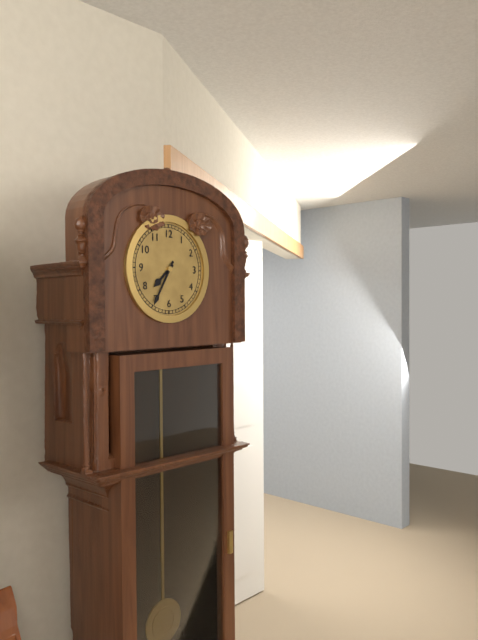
7:35
